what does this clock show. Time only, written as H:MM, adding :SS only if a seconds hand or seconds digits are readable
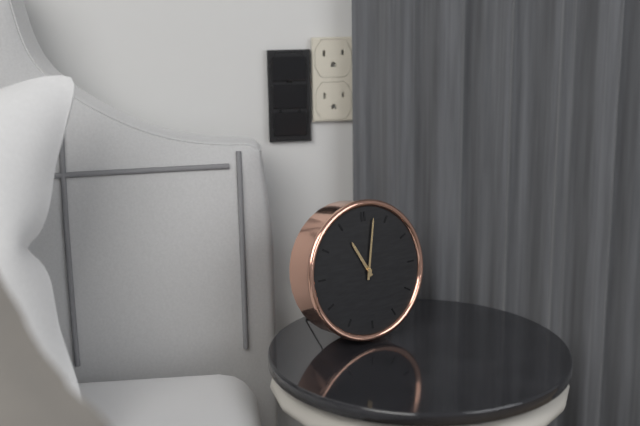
11:02
